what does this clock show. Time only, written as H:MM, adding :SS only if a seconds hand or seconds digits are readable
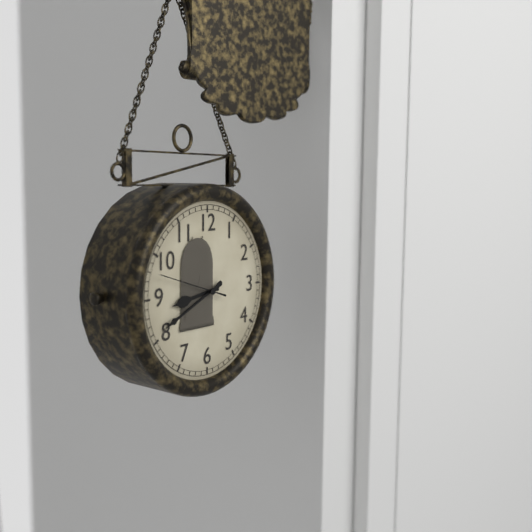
8:41:48
